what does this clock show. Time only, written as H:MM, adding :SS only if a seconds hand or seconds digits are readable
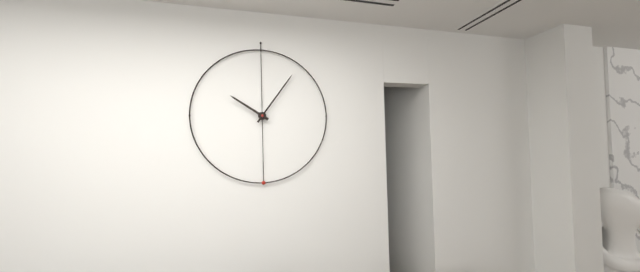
10:06
